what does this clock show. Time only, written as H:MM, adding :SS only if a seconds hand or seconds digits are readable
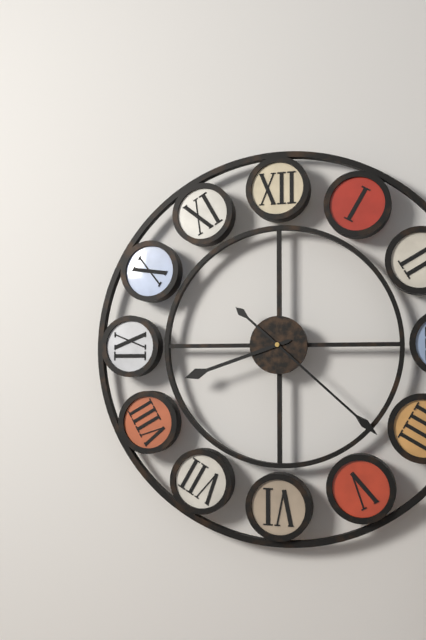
8:22
